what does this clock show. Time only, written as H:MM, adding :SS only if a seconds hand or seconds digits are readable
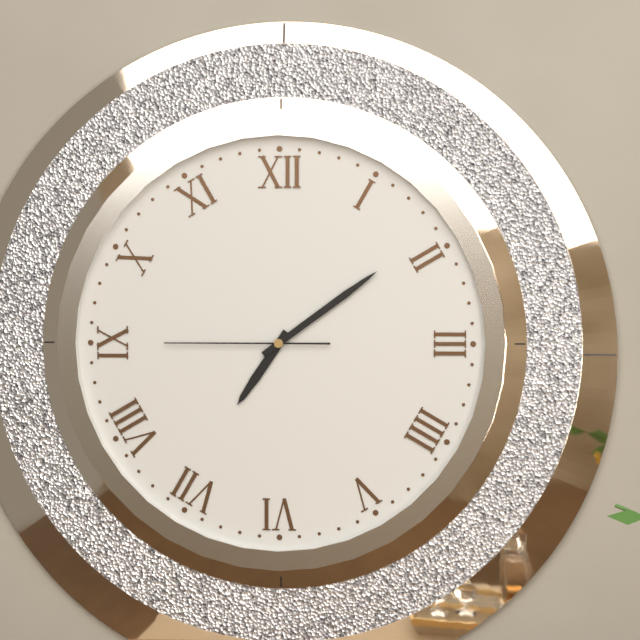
7:09:45
